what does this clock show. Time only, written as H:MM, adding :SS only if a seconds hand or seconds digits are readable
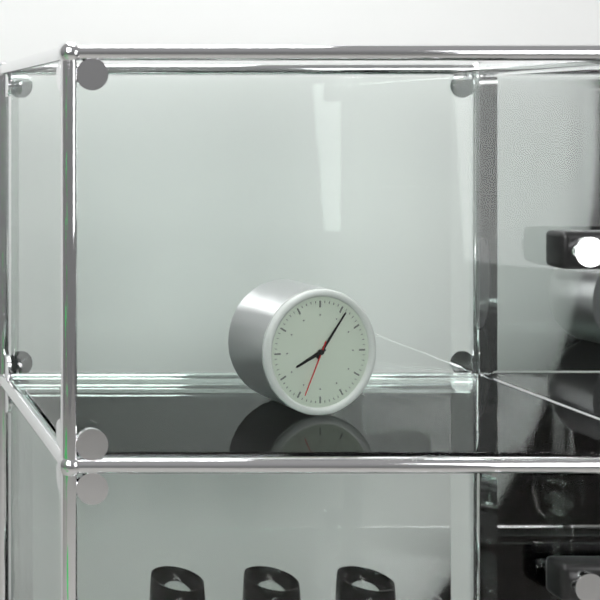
8:06:34
